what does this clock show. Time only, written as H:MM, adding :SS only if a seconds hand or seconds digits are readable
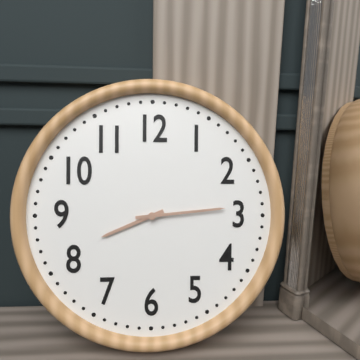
8:14
